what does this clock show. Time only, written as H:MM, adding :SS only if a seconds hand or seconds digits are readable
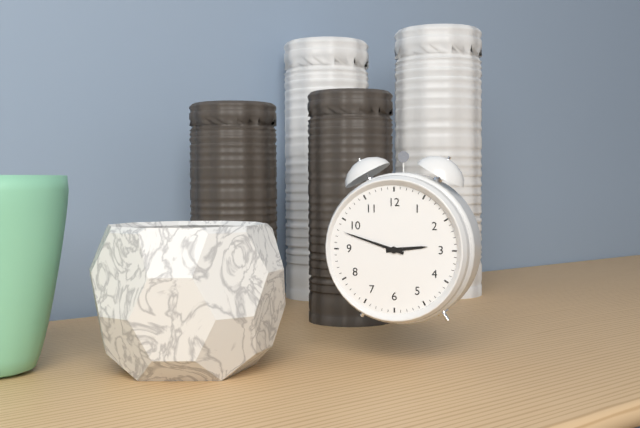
2:48
